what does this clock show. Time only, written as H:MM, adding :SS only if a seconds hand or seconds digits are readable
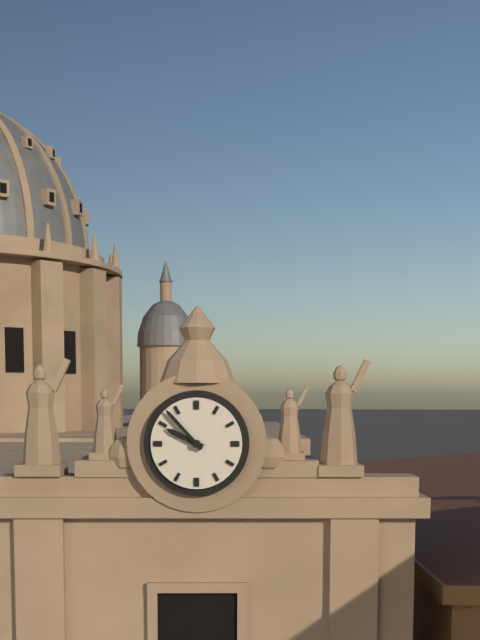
9:53
